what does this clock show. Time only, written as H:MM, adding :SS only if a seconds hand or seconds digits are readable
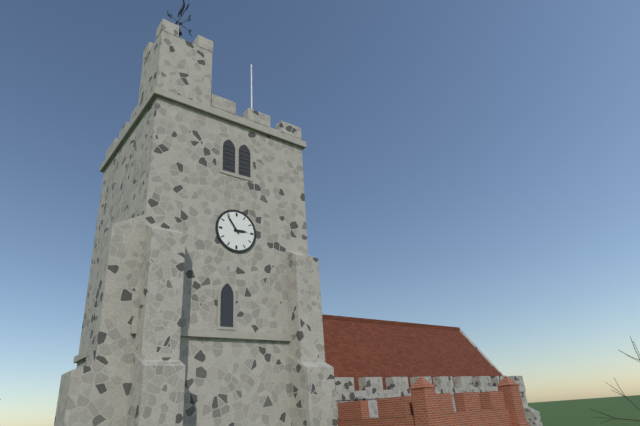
2:54
